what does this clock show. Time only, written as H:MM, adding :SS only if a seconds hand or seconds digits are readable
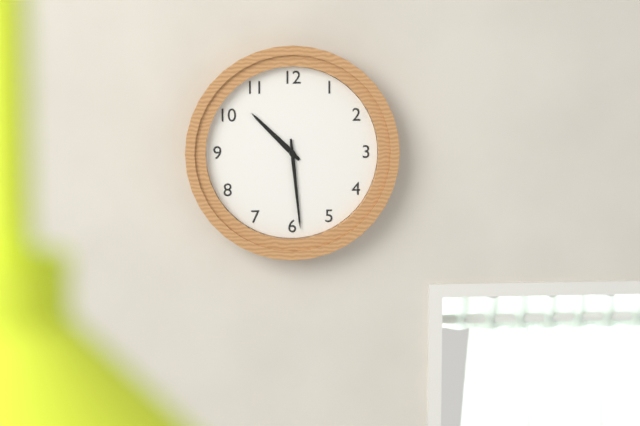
10:29
